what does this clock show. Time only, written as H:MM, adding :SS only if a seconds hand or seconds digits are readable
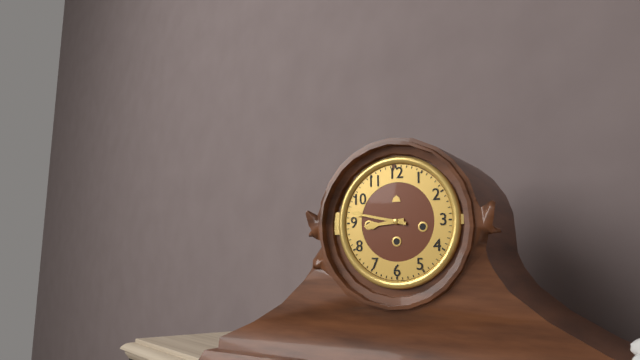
8:47
